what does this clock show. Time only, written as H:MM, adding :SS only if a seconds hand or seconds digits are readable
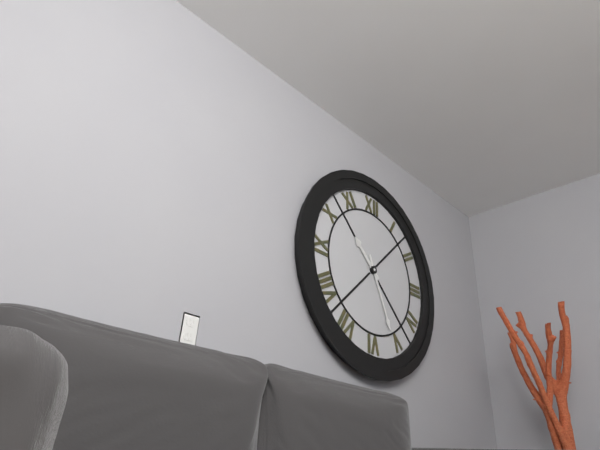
10:26
